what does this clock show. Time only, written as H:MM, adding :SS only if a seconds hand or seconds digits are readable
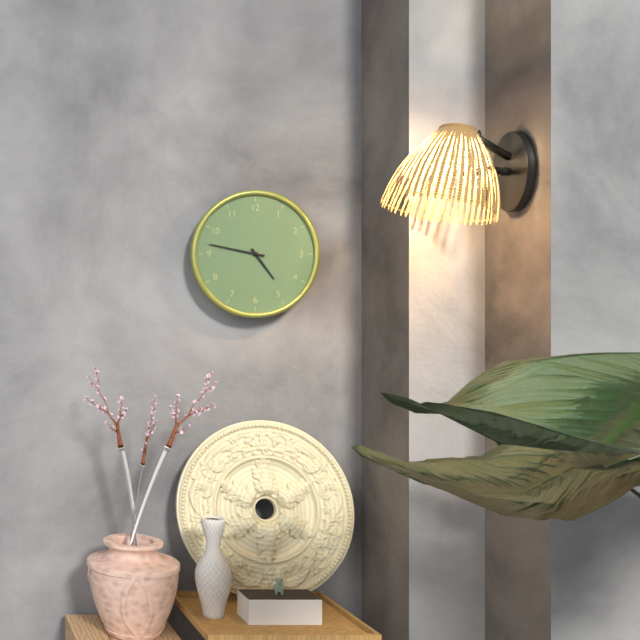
4:47
